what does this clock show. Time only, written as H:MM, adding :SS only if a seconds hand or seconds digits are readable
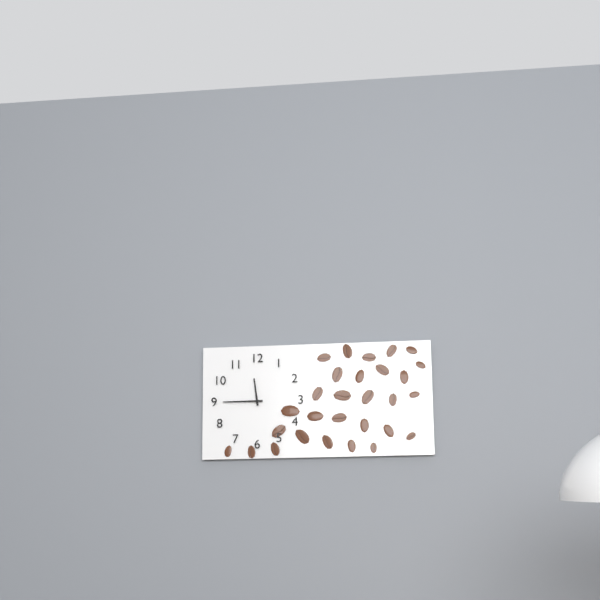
11:45
